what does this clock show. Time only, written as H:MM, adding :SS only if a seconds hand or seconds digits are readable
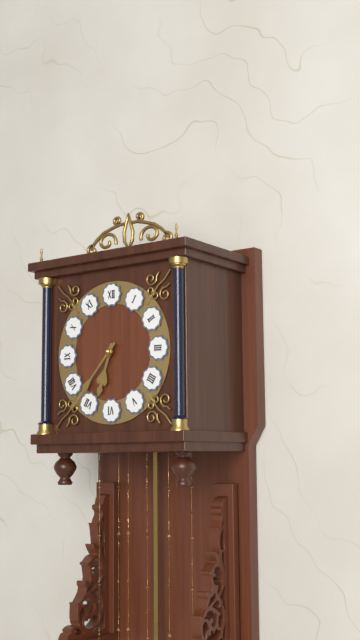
6:37
